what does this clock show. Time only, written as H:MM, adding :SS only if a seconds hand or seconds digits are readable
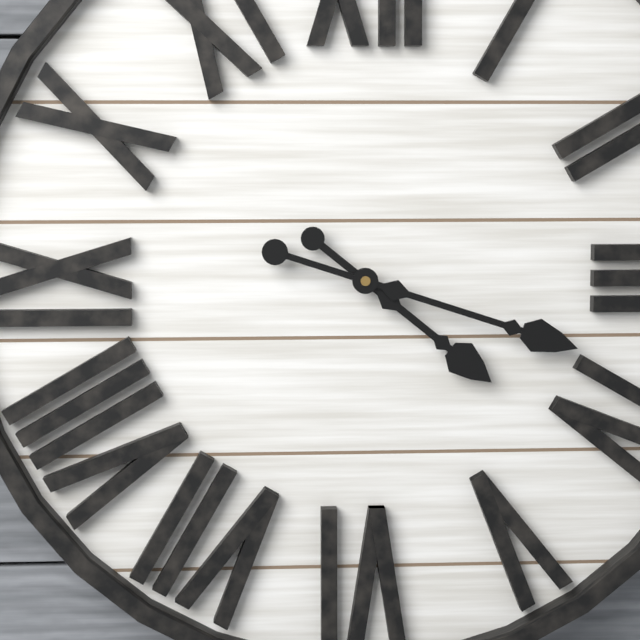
4:18
